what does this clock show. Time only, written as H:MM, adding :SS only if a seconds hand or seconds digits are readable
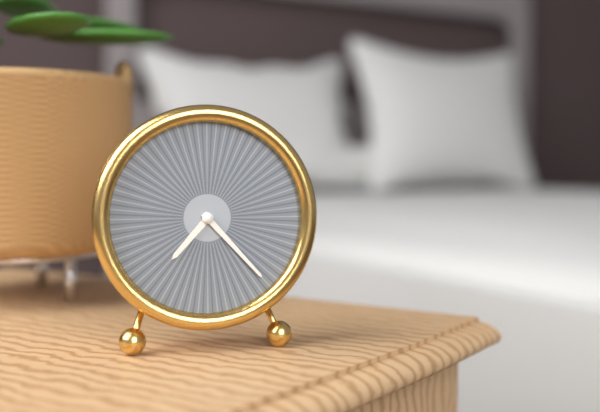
7:23
